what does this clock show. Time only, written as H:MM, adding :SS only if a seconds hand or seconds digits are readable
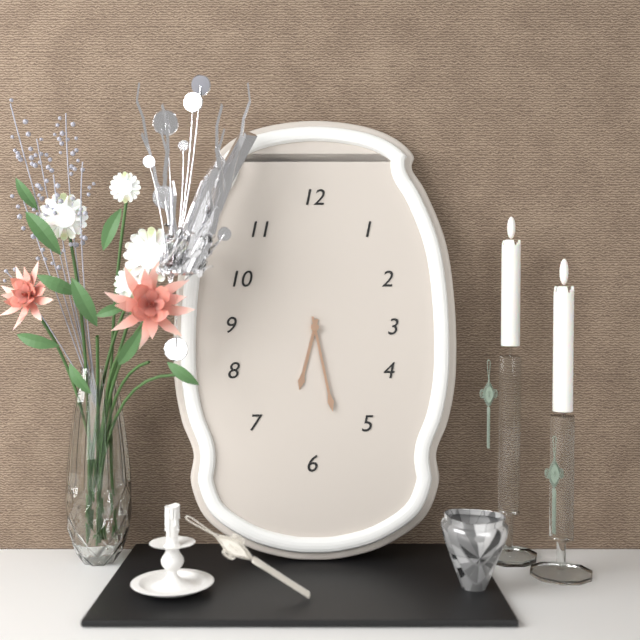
6:28
